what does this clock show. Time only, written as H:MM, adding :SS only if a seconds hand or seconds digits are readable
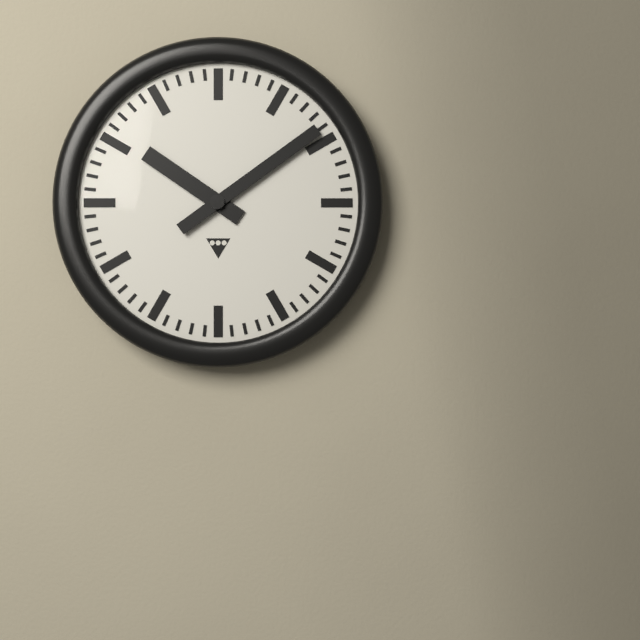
10:09
